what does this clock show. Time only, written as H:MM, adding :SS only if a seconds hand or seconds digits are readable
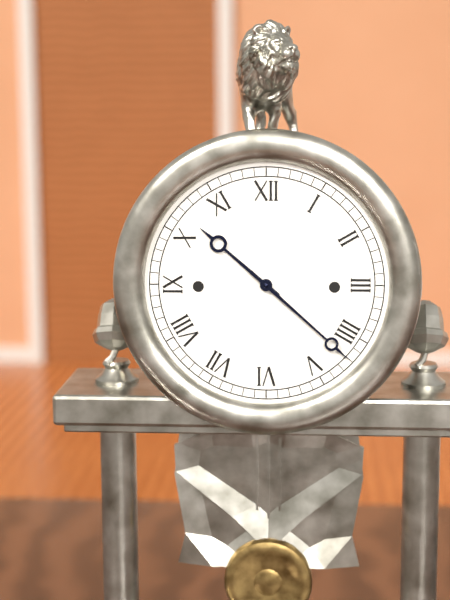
10:22
